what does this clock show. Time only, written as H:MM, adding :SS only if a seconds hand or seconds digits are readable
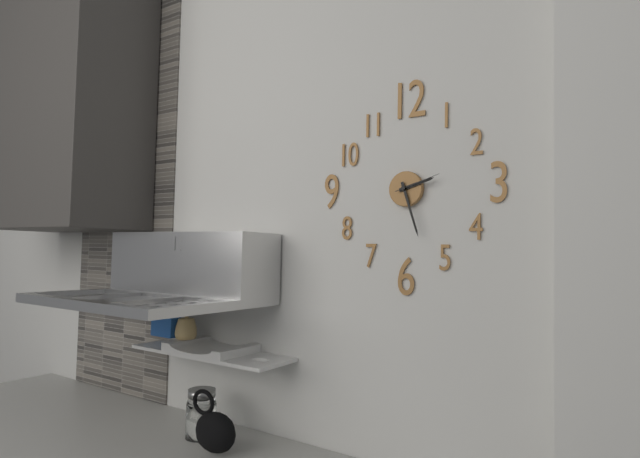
2:27
